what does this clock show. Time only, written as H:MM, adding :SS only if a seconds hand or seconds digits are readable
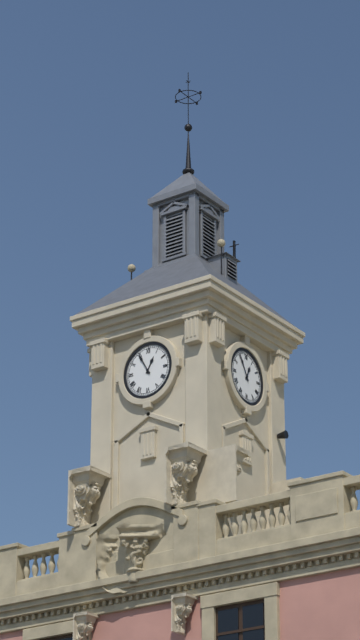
12:55
